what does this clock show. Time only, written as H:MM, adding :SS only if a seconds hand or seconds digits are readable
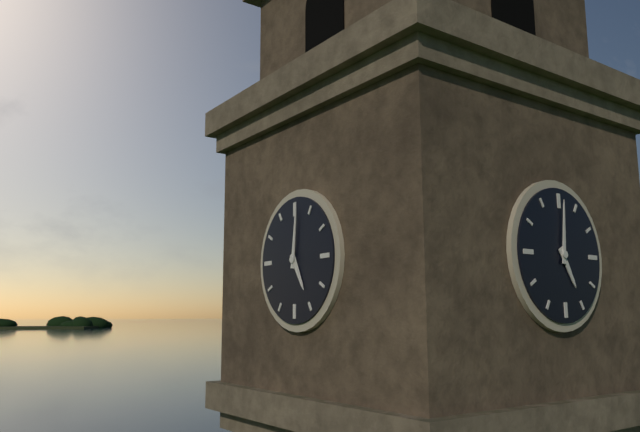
5:01
